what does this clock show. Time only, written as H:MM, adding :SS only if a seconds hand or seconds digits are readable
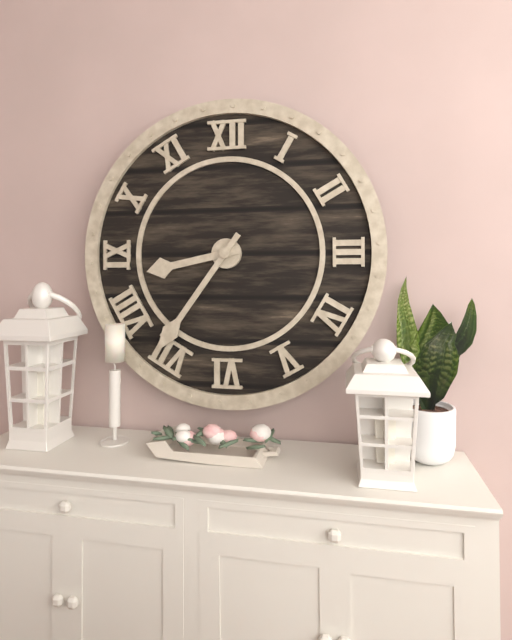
8:36
